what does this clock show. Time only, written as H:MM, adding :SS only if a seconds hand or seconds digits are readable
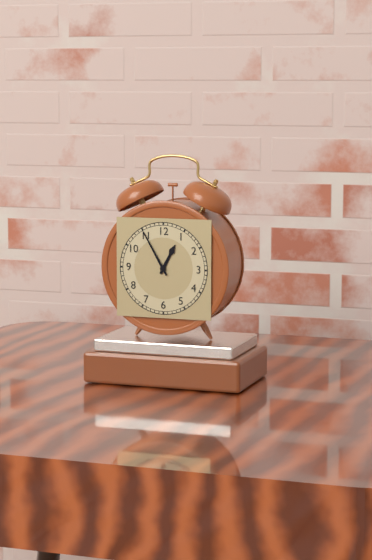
12:55
